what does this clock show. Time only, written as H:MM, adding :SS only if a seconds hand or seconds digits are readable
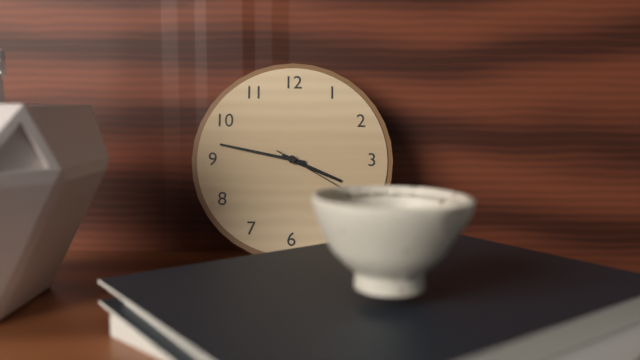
3:47
